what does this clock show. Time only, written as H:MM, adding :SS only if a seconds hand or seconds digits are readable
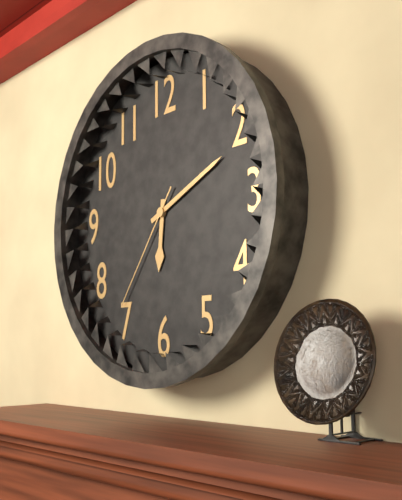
6:11:36
